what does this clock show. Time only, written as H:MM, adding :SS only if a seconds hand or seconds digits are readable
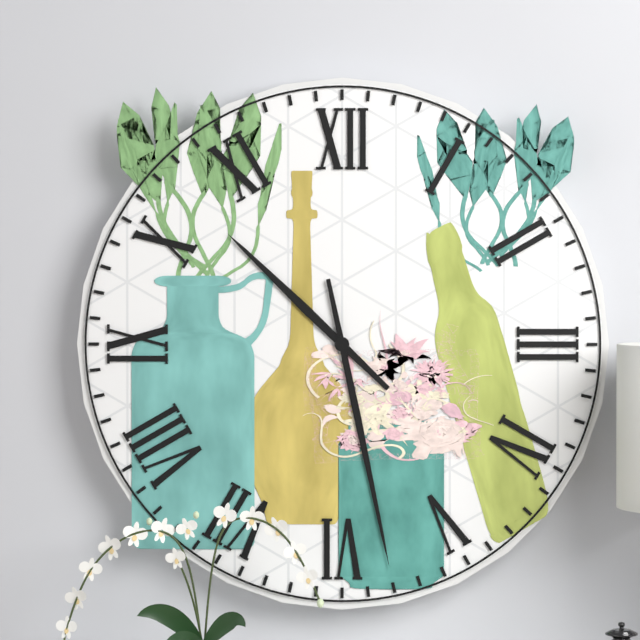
10:28
